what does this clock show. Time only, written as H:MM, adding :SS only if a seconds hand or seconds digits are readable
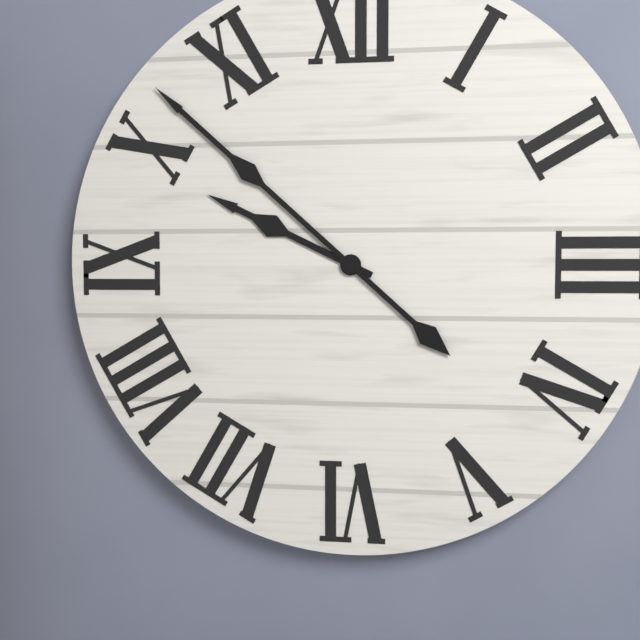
9:52
